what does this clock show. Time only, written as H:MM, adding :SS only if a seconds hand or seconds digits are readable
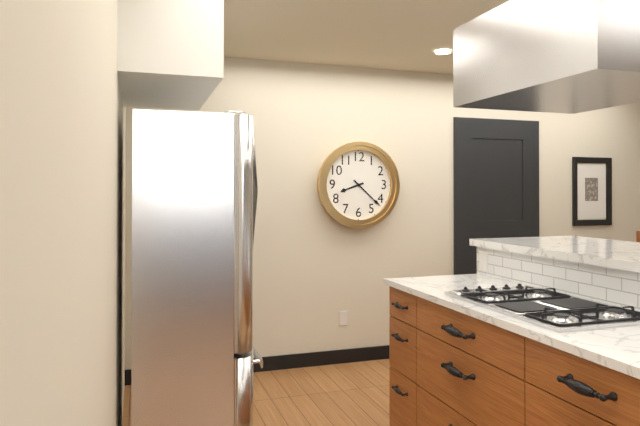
8:22
